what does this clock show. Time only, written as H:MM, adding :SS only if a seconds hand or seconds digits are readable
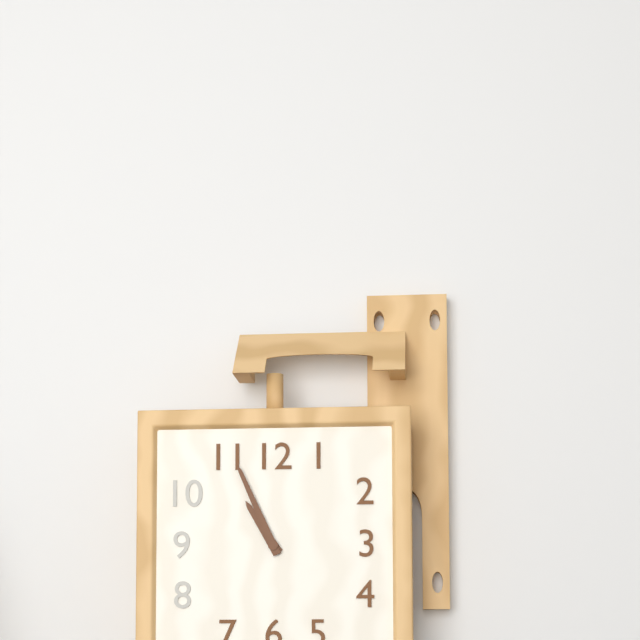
10:56
